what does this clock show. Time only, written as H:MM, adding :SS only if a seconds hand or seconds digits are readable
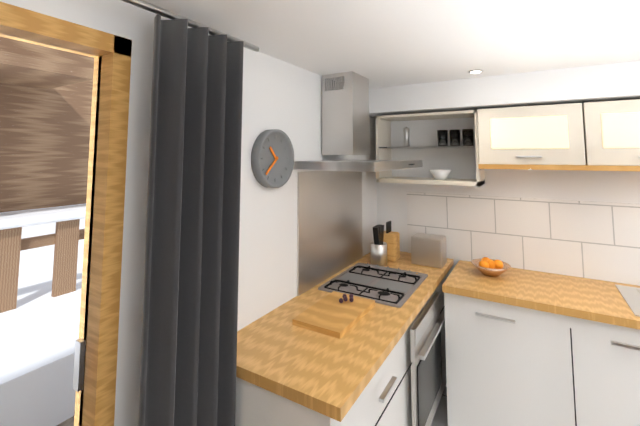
10:38
